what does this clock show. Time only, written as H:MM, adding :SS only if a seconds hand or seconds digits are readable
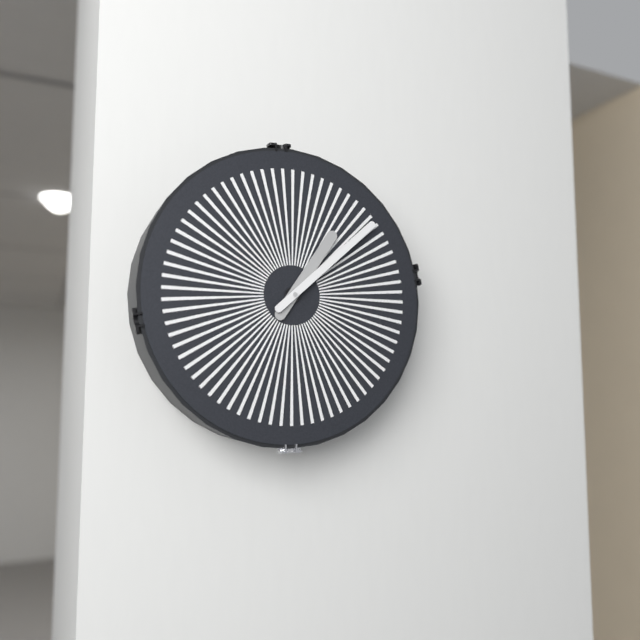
1:08
